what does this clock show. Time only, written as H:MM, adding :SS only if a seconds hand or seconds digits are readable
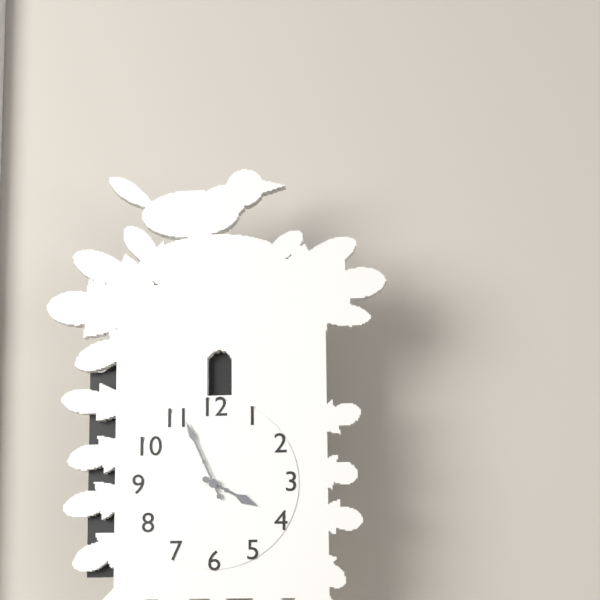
3:56
